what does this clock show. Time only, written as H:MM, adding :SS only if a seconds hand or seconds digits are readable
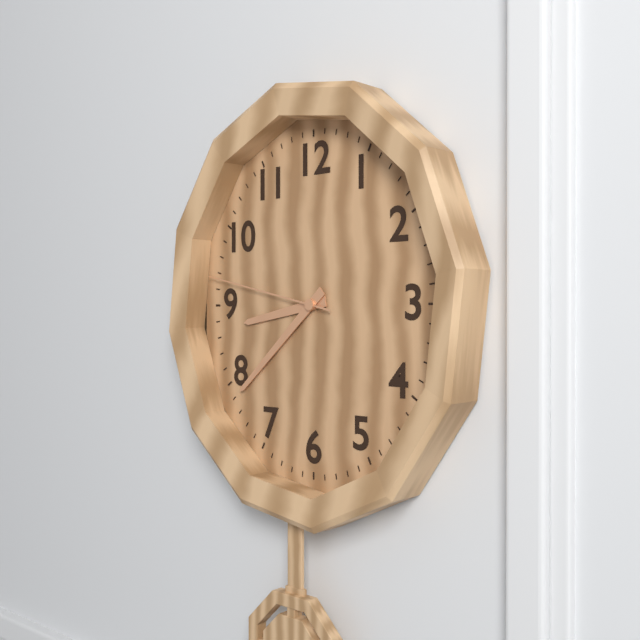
8:38:47
